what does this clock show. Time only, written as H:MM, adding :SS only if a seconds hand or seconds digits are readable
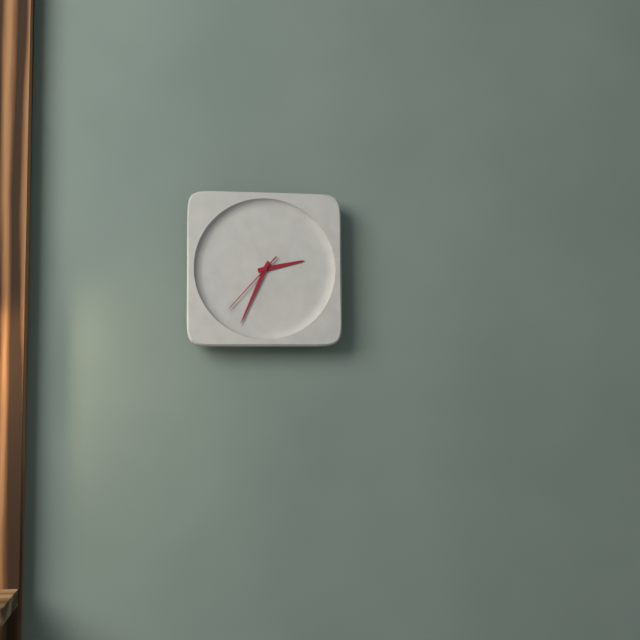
2:34:37
